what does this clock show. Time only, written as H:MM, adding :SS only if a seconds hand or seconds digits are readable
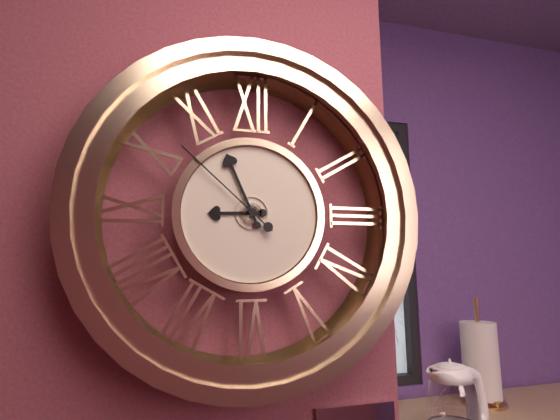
8:56:52
